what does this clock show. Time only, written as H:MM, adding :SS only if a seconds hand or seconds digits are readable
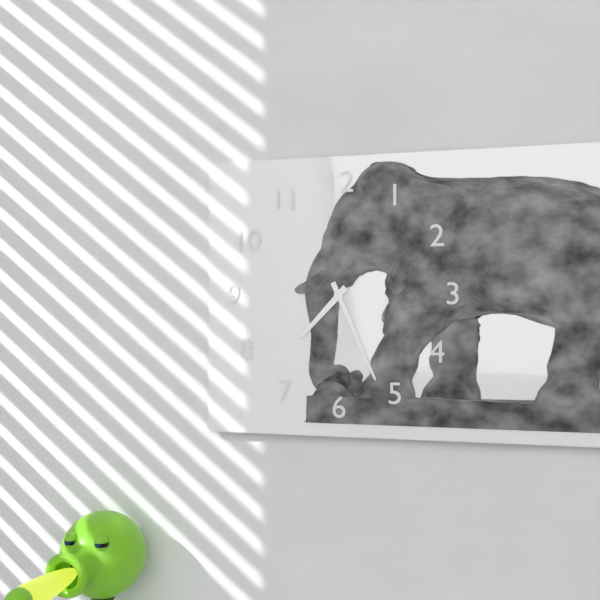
7:26
